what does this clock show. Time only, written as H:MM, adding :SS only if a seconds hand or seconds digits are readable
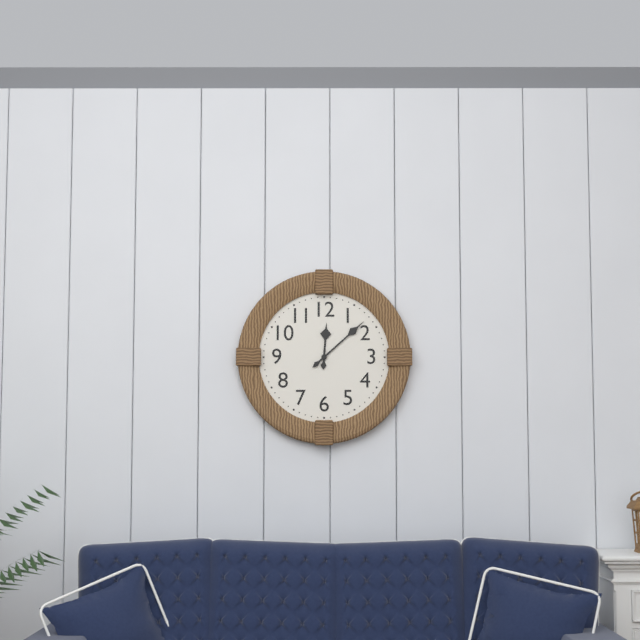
12:08
